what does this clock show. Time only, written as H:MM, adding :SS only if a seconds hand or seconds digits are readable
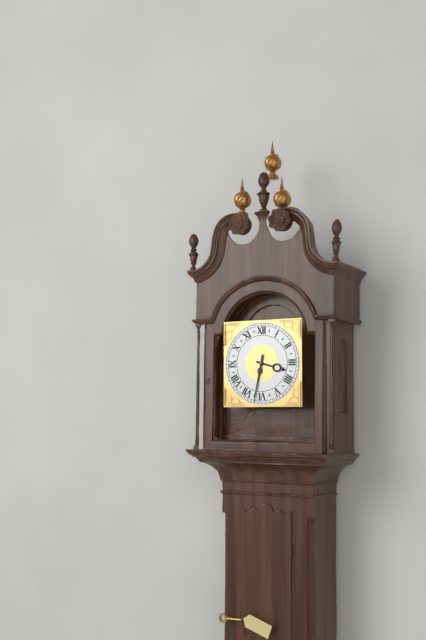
3:32
